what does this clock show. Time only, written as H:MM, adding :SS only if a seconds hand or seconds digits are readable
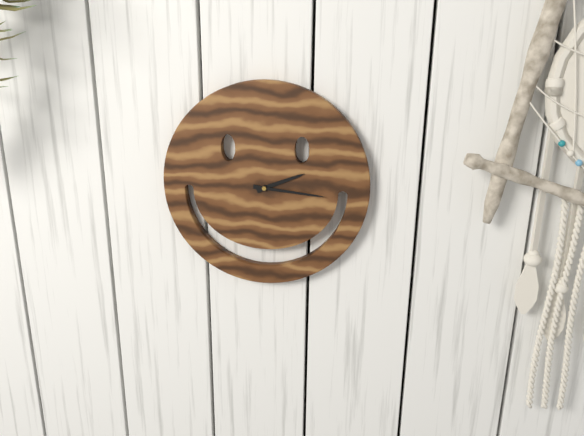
2:16
